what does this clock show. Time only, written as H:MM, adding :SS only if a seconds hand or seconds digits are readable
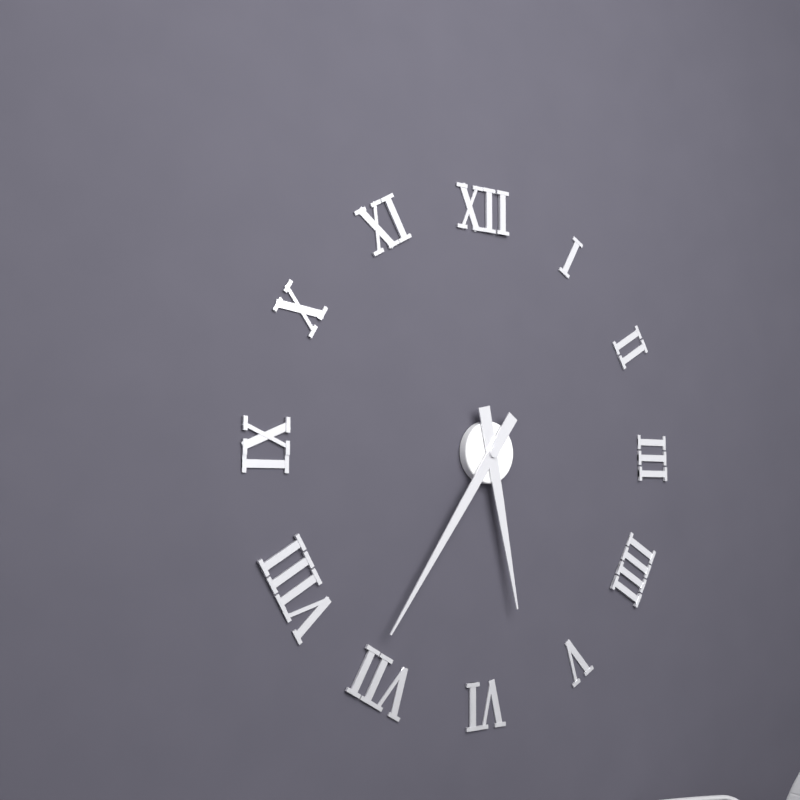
5:36
